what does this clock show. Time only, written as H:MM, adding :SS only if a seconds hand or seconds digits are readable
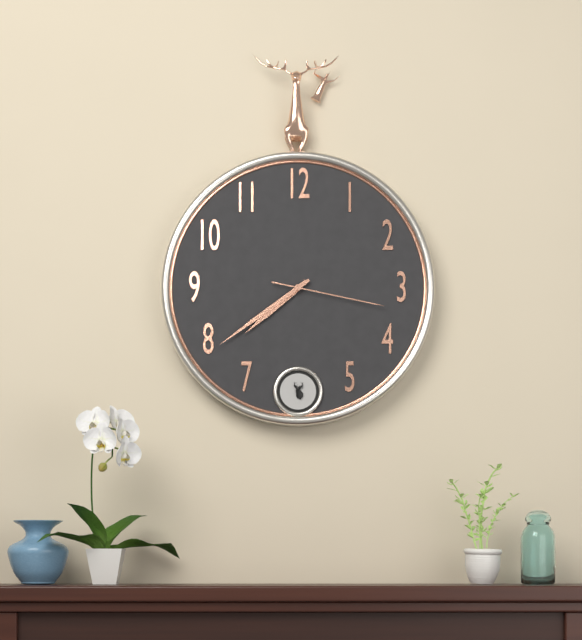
7:39:17
